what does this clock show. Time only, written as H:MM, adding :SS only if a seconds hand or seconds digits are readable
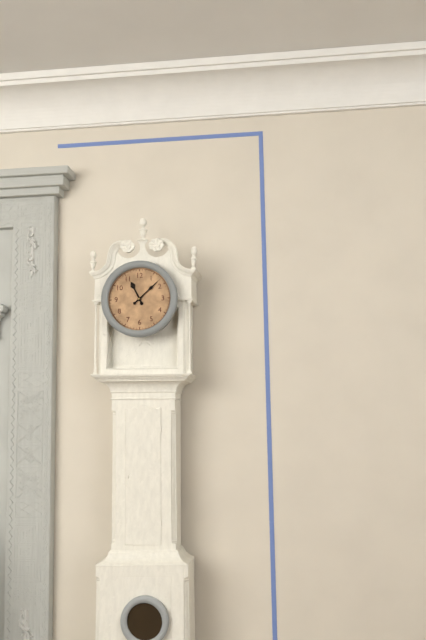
11:08
